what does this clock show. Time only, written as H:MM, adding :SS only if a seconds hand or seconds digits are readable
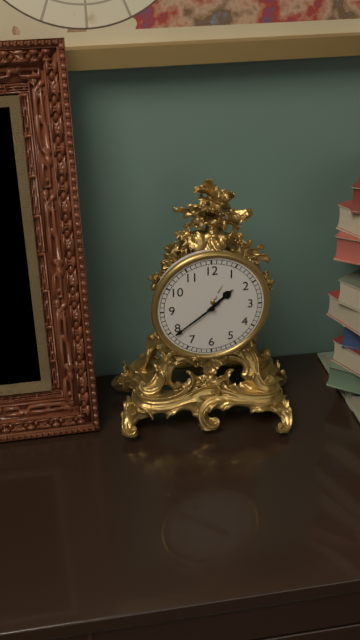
1:39
